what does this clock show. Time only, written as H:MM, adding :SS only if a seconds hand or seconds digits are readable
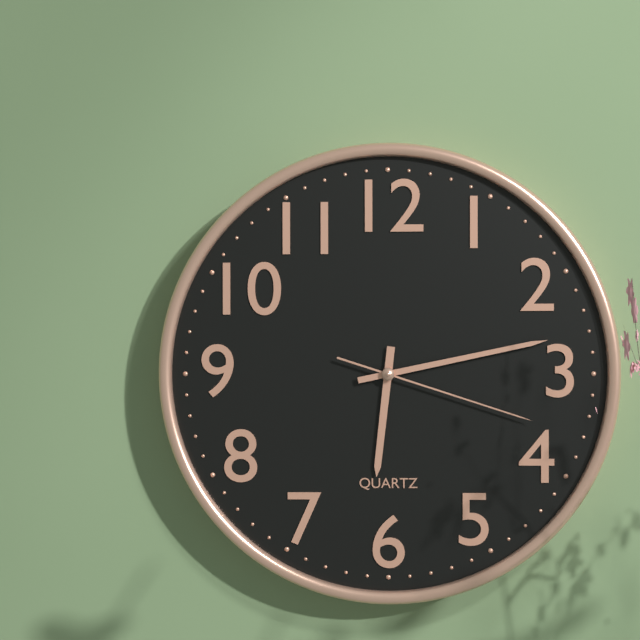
6:13:18
